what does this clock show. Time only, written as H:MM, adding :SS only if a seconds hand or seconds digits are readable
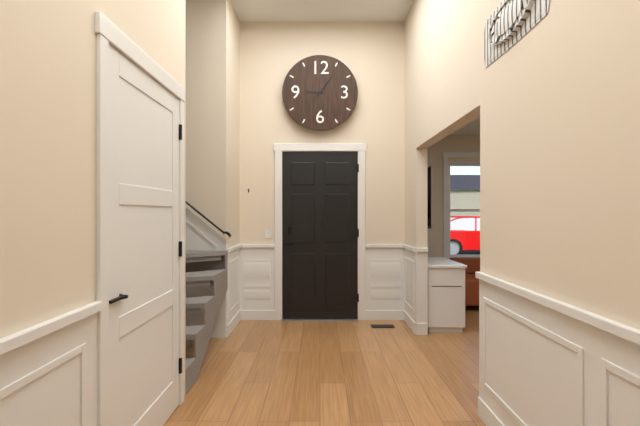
9:06
